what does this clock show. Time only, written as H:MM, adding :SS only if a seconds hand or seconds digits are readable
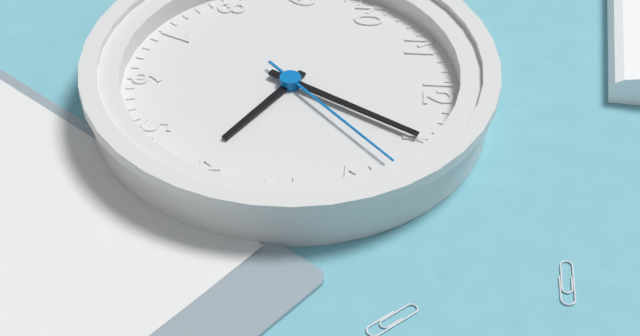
4:05:08
